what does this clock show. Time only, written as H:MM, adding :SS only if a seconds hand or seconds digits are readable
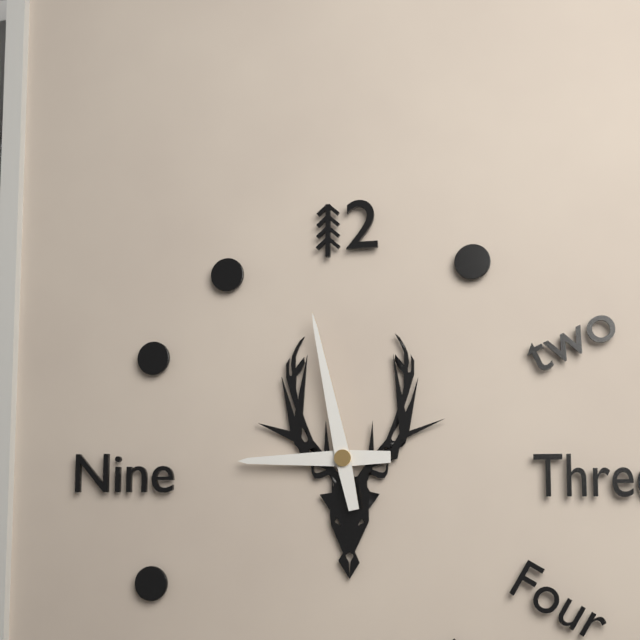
8:58
